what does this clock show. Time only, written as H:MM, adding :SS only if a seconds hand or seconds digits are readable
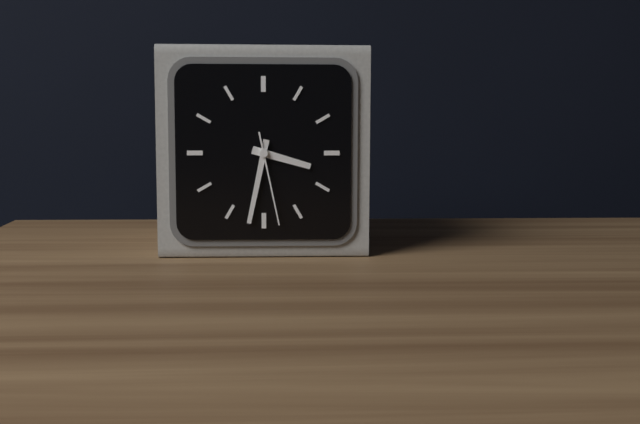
3:32:28
